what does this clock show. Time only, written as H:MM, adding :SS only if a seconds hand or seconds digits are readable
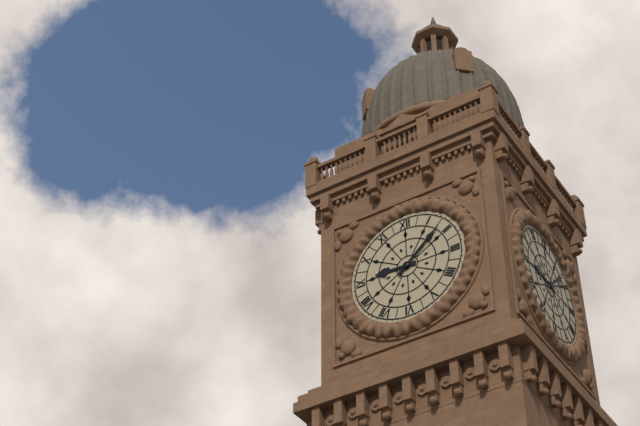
9:08
